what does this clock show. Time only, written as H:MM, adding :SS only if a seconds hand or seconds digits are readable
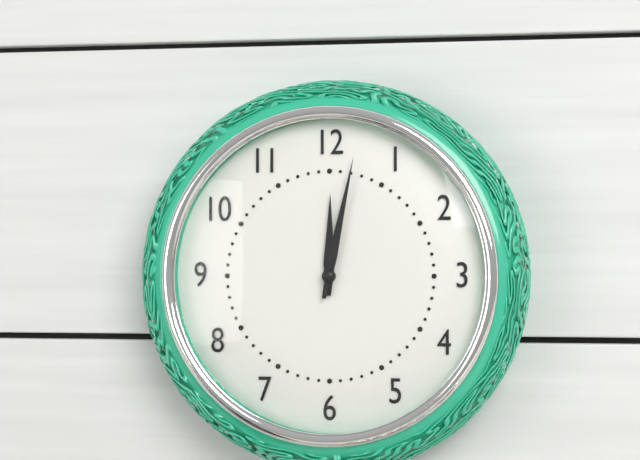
12:02
